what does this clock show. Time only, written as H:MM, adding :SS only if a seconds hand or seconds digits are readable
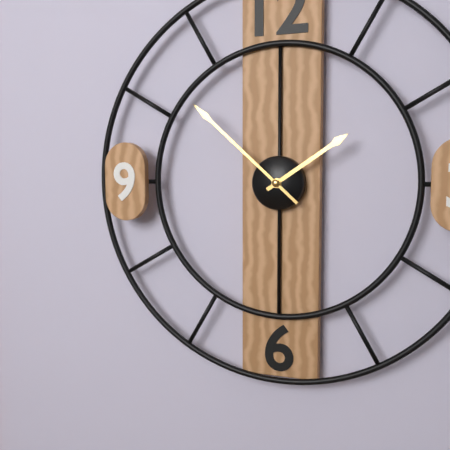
1:52
